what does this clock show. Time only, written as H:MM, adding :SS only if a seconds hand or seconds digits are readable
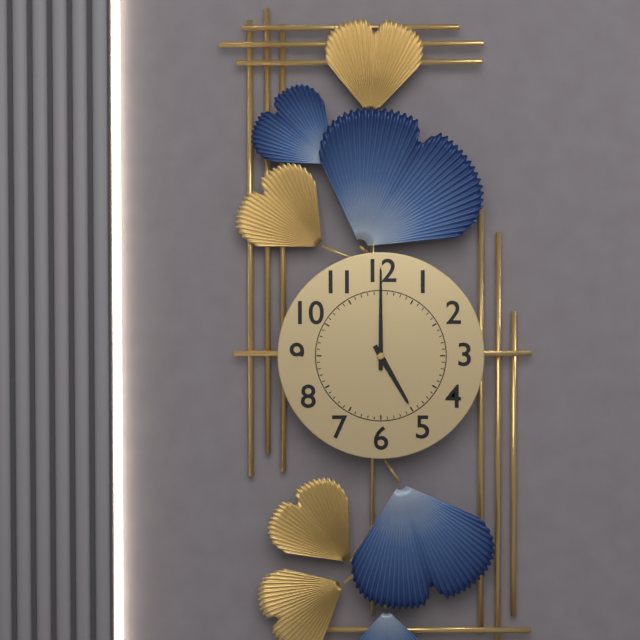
5:00
